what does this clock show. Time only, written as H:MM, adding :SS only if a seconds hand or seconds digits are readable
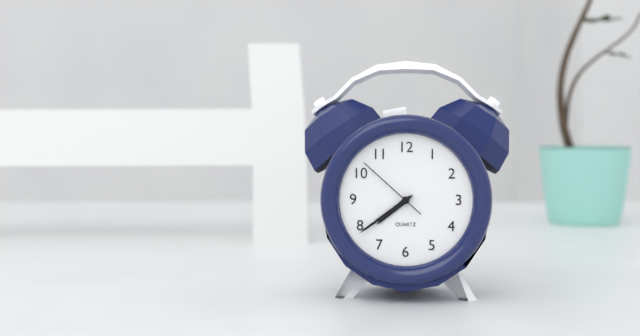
7:39:52
